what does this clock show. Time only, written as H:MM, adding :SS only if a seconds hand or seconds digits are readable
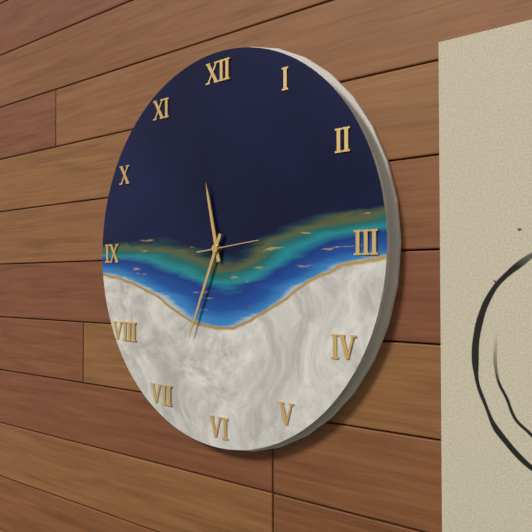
11:34:14
